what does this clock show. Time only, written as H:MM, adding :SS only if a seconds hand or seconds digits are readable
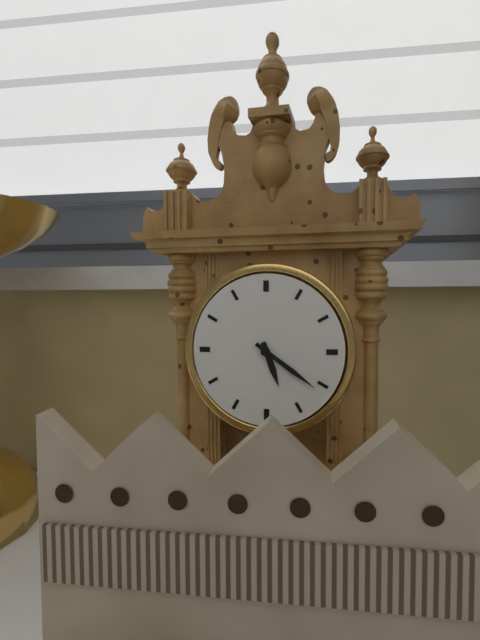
5:21
